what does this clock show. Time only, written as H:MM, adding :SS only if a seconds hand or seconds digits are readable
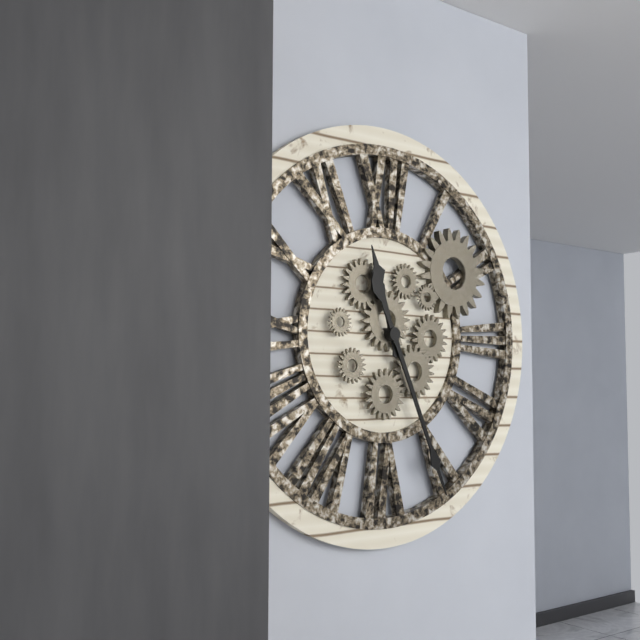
11:26
